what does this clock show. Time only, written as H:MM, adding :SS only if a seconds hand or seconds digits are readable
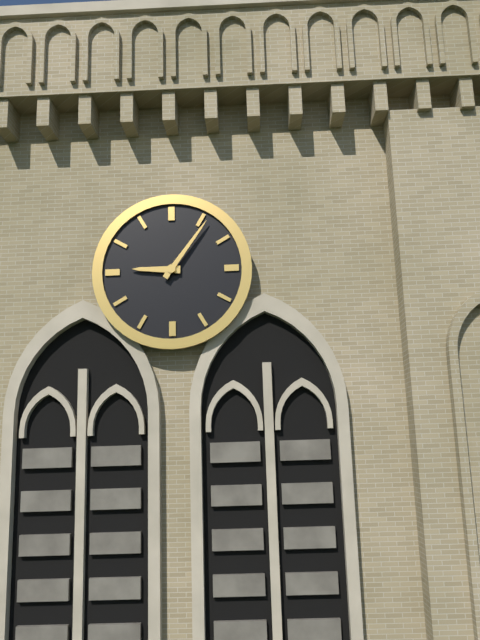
9:06
